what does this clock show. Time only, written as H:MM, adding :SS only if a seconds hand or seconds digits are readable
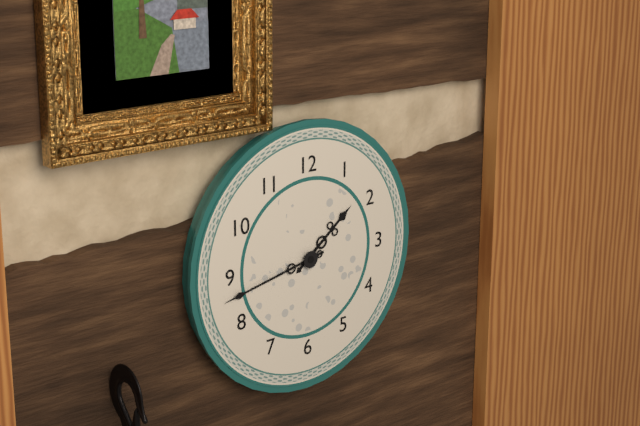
1:43
